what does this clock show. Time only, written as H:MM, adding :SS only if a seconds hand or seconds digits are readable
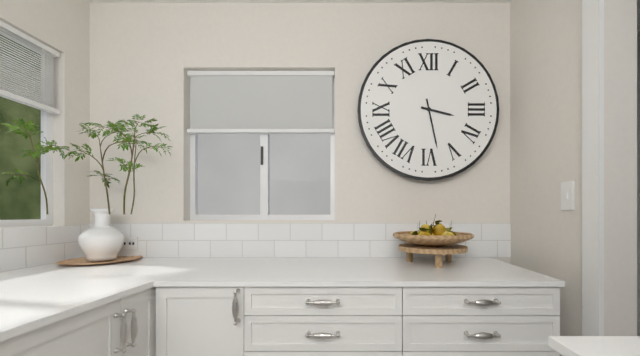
3:28
